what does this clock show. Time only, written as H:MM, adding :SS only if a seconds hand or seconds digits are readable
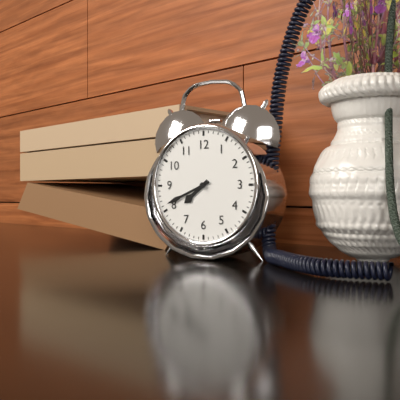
7:41
